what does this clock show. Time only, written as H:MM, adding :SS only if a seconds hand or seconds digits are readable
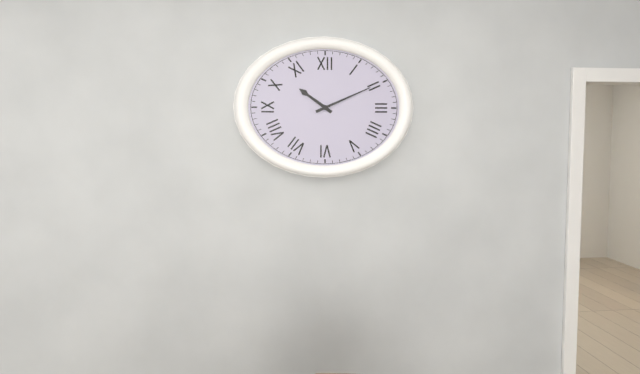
10:11
